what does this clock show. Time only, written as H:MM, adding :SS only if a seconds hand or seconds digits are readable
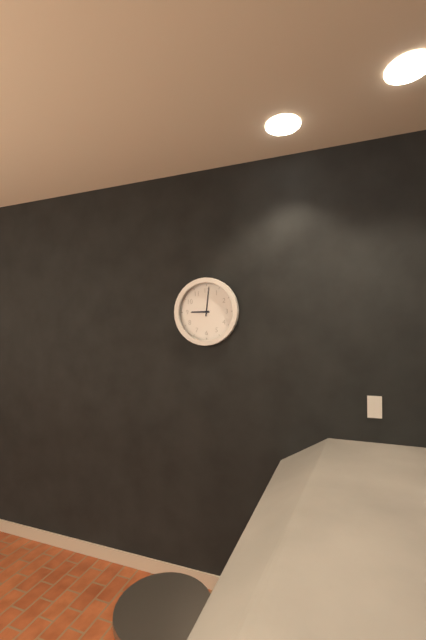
9:01
